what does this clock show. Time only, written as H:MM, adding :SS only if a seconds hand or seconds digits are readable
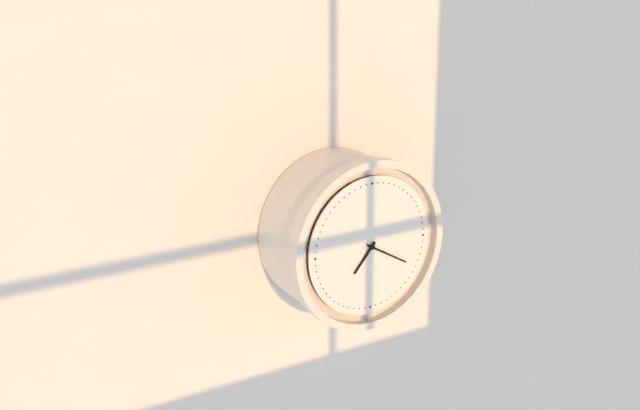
7:20
